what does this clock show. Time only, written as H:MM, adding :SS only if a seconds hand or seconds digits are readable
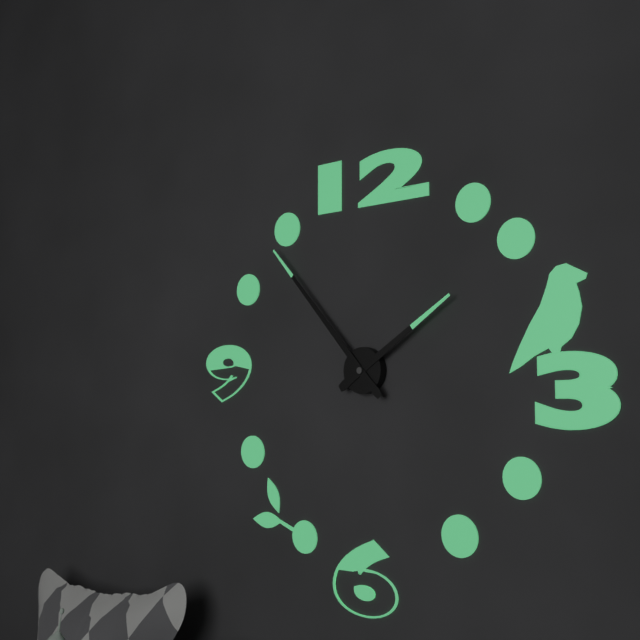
1:53
